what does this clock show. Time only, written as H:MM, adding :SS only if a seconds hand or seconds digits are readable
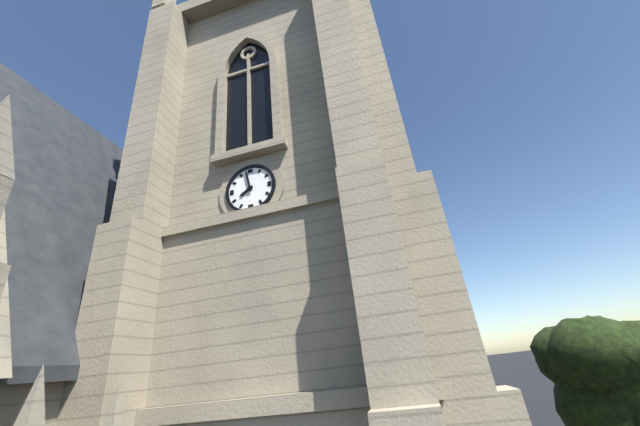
7:58
